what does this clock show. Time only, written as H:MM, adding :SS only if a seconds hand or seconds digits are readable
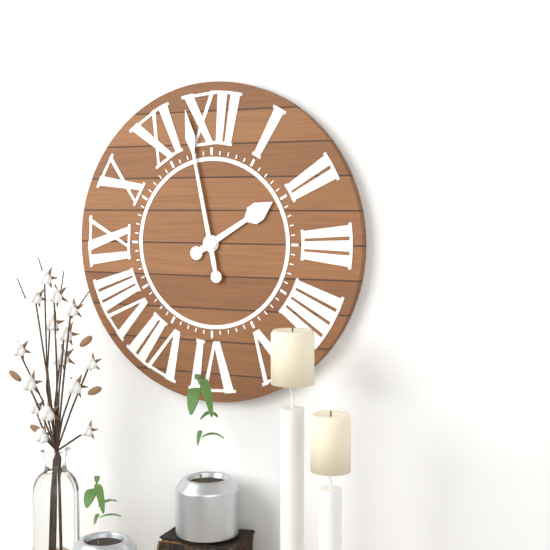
1:58
